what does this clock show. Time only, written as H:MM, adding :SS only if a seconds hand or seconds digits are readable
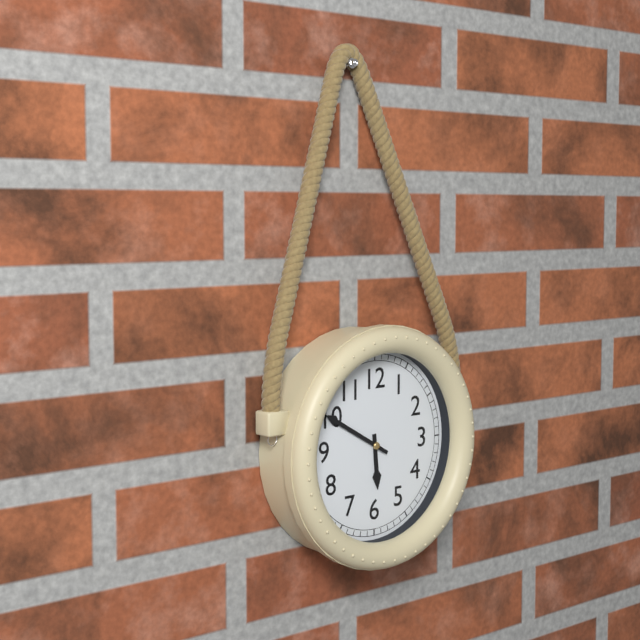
5:50
